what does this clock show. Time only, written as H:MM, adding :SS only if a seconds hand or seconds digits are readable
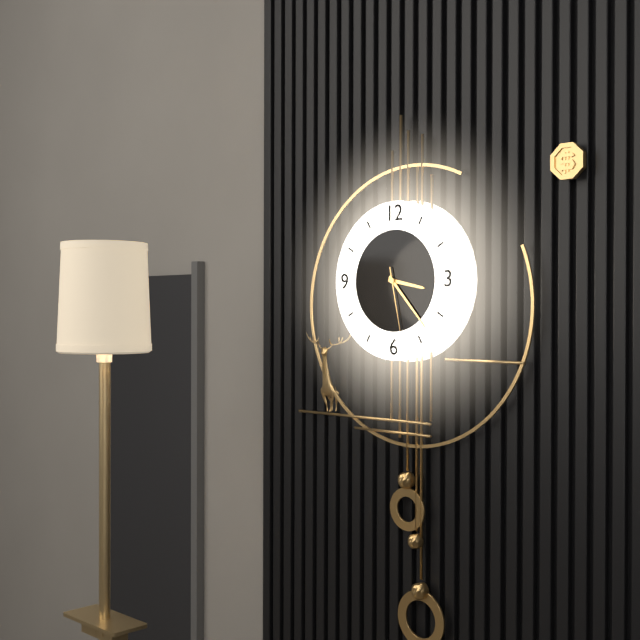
3:23:28
